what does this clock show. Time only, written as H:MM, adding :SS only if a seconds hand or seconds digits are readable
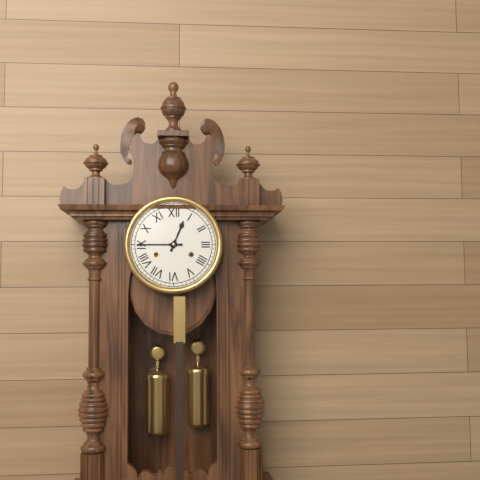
12:45
